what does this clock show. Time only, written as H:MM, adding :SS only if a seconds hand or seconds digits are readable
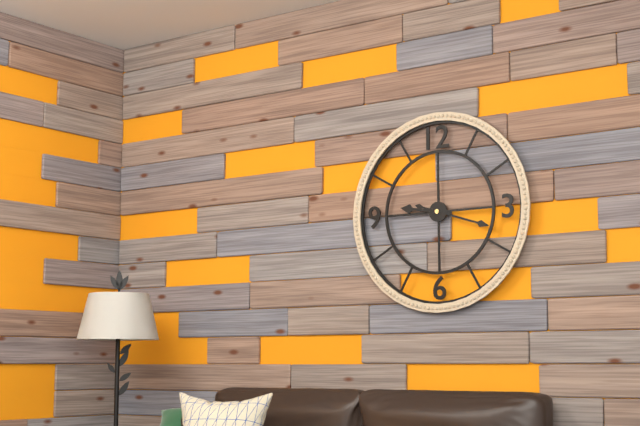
9:18
